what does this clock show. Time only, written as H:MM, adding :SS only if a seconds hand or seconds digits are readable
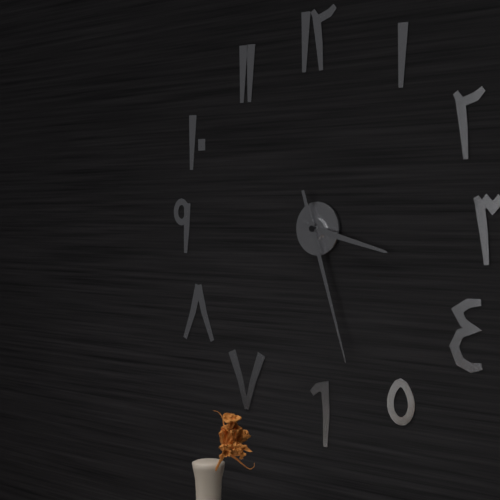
3:27
